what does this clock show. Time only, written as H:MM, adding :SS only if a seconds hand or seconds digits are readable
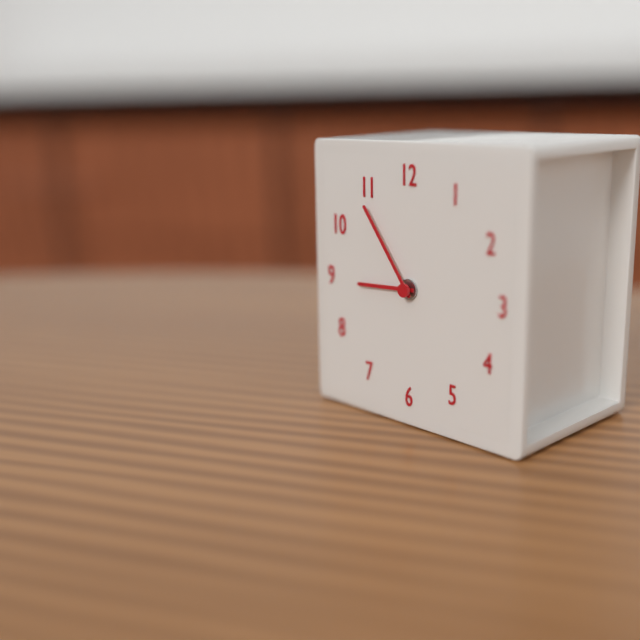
8:54
